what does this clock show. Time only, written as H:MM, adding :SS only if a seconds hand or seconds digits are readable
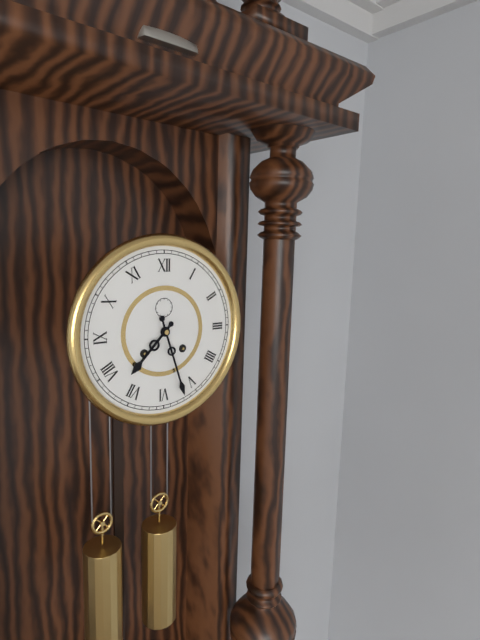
7:27
